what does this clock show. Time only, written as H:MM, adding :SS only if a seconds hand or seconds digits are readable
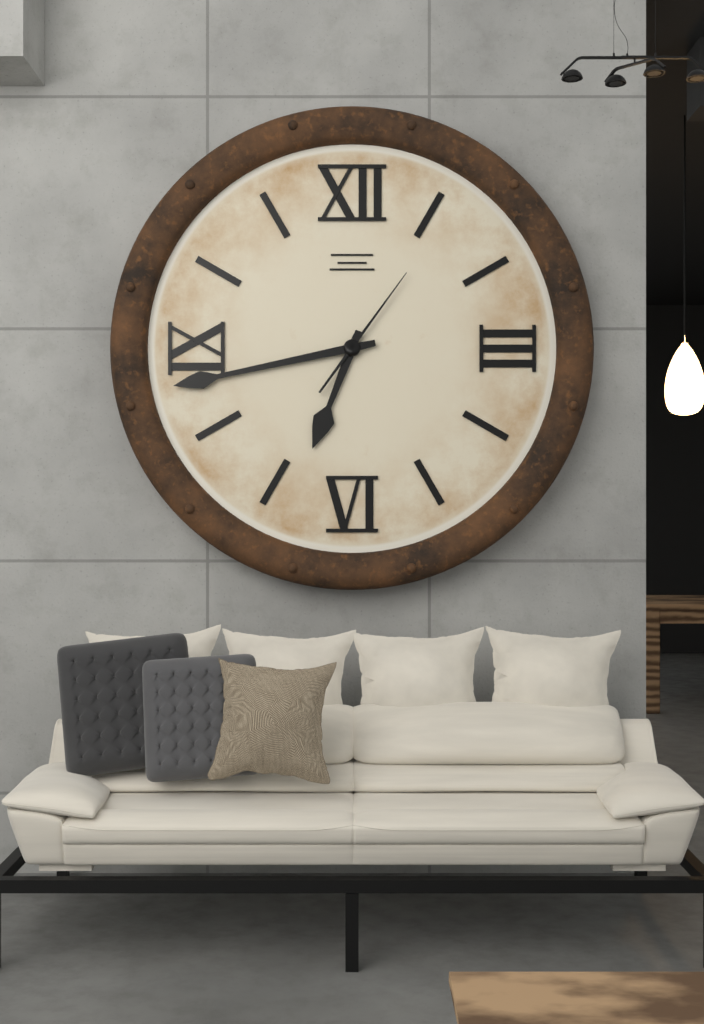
6:43:06
